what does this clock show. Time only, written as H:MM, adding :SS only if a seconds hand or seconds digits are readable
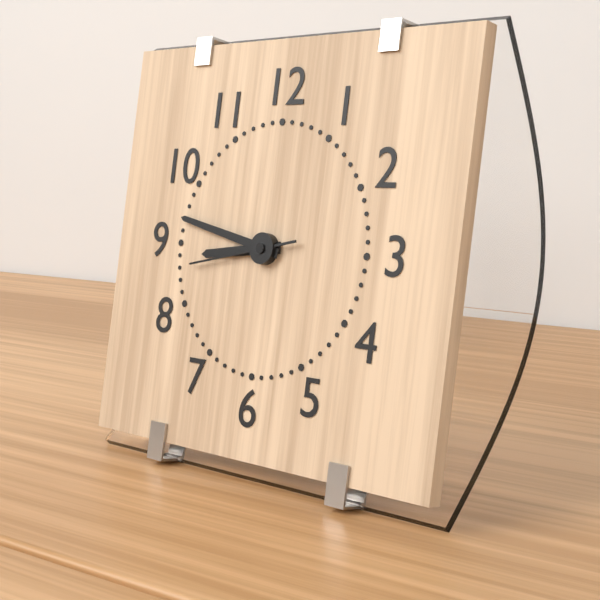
8:47:43
